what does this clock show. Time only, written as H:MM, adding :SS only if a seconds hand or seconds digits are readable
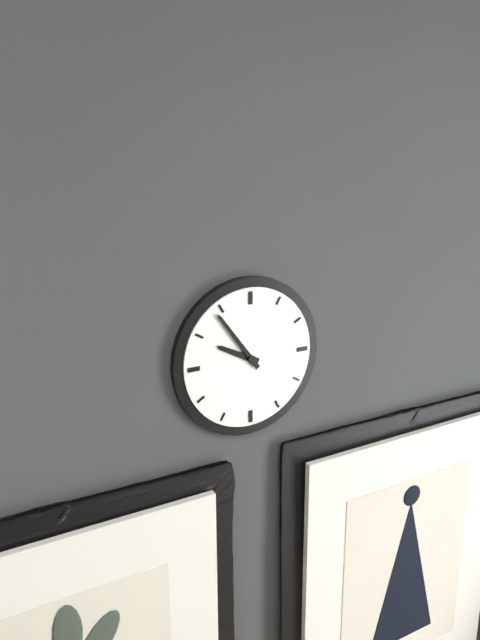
9:54
